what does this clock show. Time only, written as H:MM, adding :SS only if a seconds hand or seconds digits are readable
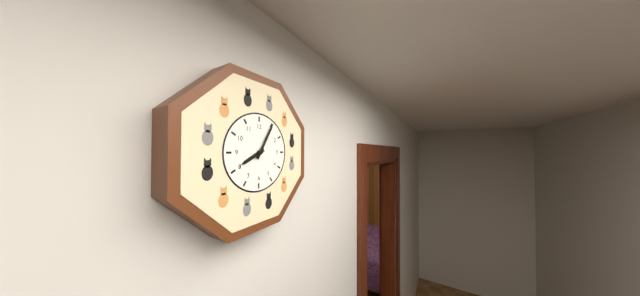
8:05
